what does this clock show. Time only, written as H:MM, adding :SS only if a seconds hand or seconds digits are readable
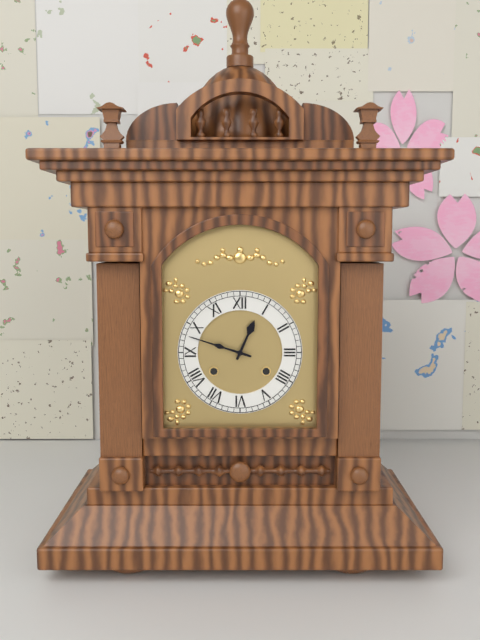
12:48
